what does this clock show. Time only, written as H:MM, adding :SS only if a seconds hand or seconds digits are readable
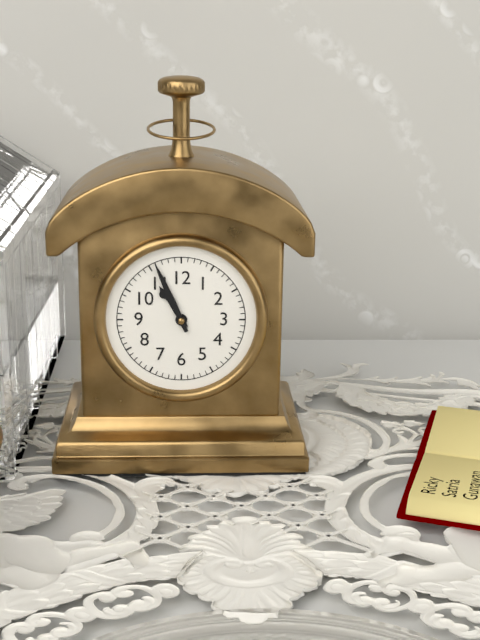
10:56
